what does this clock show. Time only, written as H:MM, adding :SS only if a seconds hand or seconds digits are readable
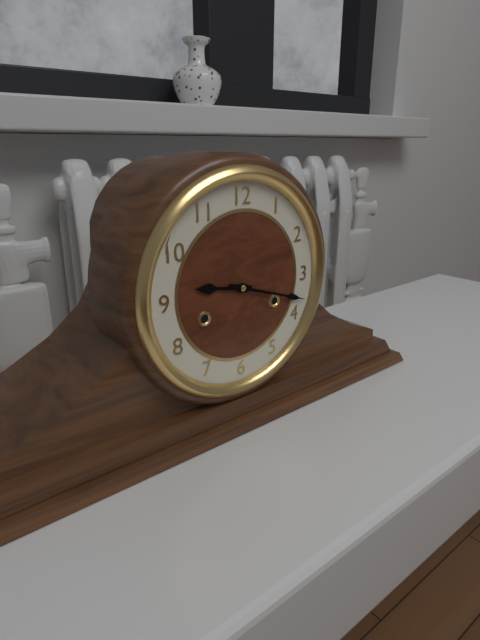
9:18
